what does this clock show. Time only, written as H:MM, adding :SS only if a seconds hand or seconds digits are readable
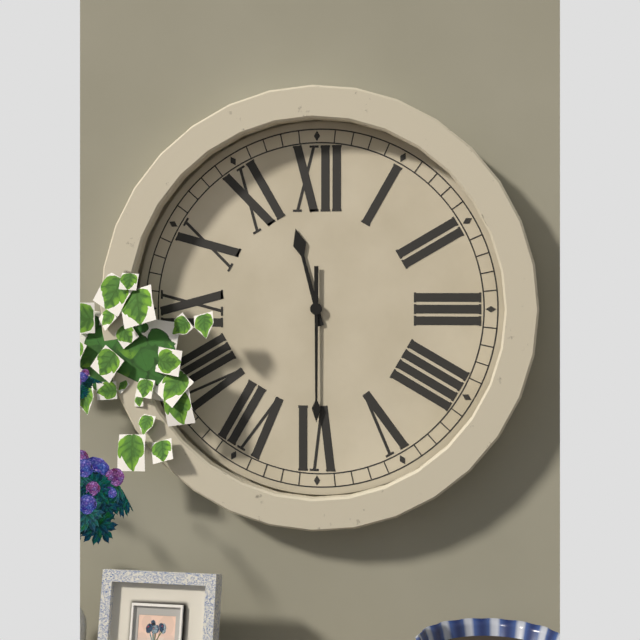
11:30
